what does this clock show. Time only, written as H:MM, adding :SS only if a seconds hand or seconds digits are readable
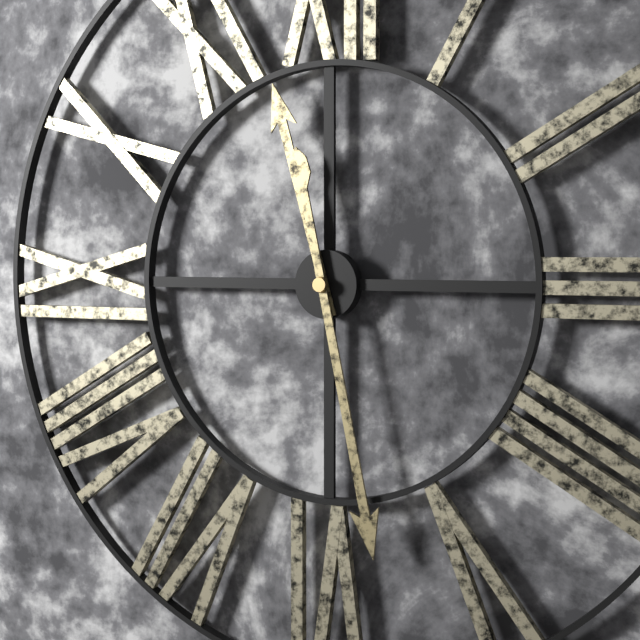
11:28
